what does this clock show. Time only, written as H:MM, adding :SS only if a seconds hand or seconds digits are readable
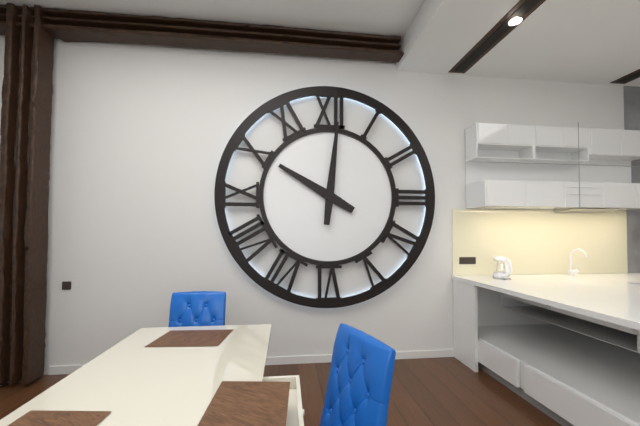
10:01
